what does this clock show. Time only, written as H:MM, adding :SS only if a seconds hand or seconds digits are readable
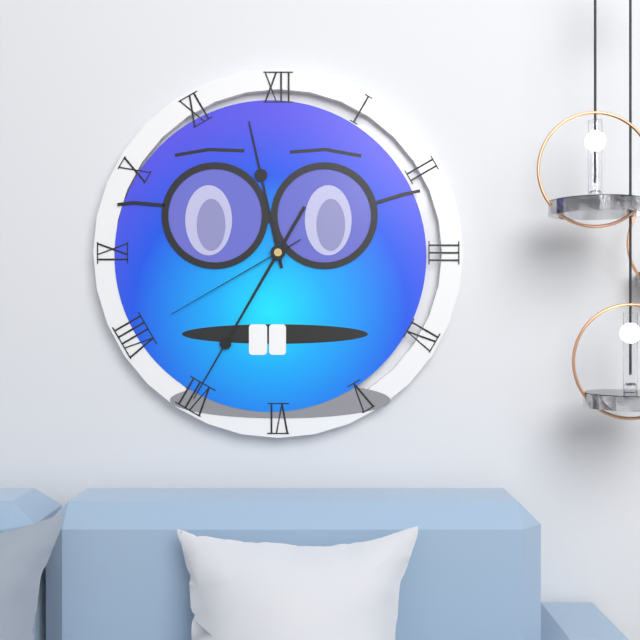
11:35:40
